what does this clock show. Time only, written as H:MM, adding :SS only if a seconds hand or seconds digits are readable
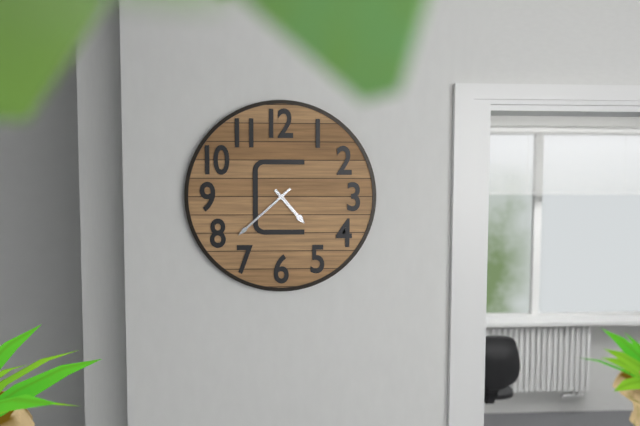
4:38
